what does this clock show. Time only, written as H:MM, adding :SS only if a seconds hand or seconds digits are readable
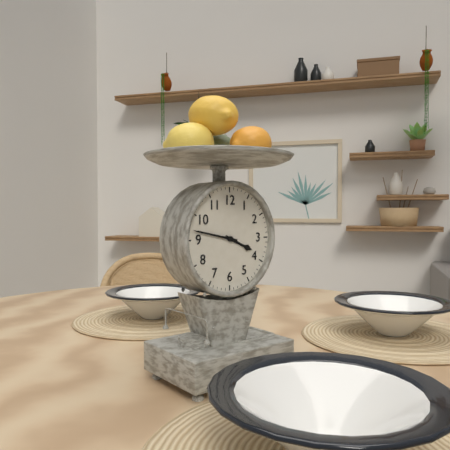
3:47
